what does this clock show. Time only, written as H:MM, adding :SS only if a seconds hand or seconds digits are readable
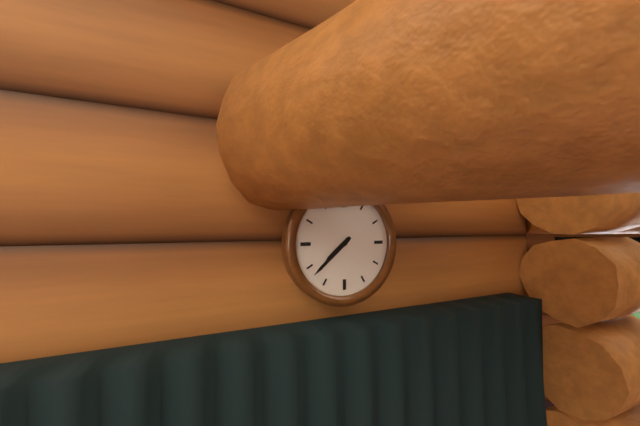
7:38
